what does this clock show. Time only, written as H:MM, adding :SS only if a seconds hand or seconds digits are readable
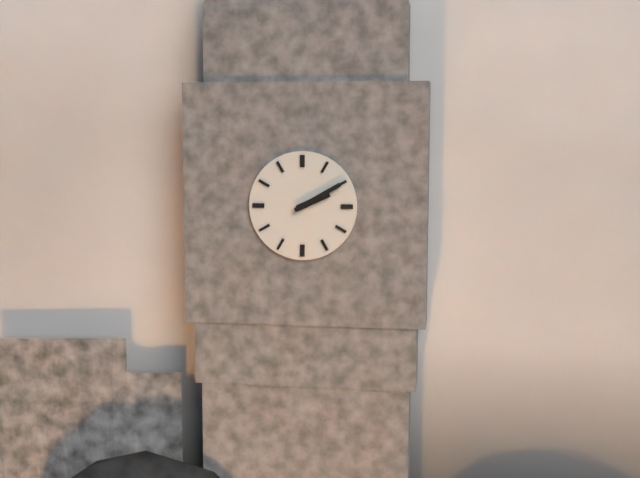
2:10
